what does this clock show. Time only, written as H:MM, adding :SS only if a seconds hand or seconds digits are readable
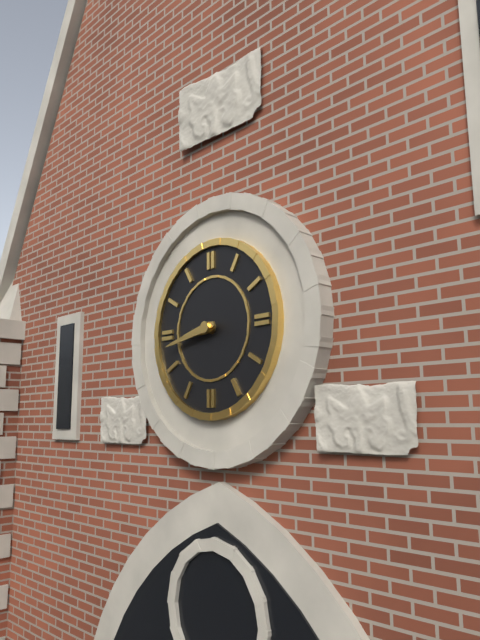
8:43
